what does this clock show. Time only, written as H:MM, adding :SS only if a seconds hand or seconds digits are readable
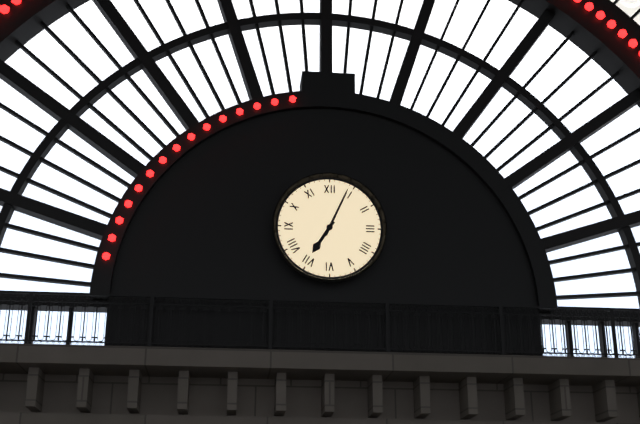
7:04
